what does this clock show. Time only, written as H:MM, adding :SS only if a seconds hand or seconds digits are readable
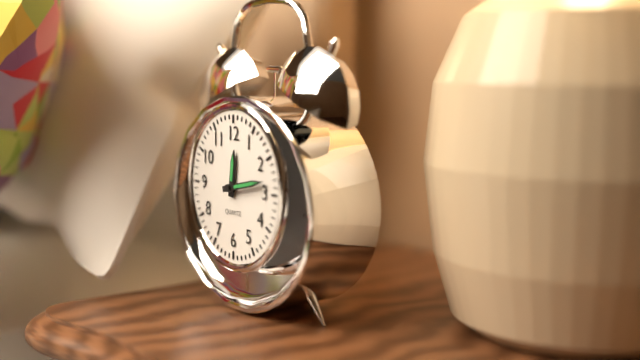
12:13
